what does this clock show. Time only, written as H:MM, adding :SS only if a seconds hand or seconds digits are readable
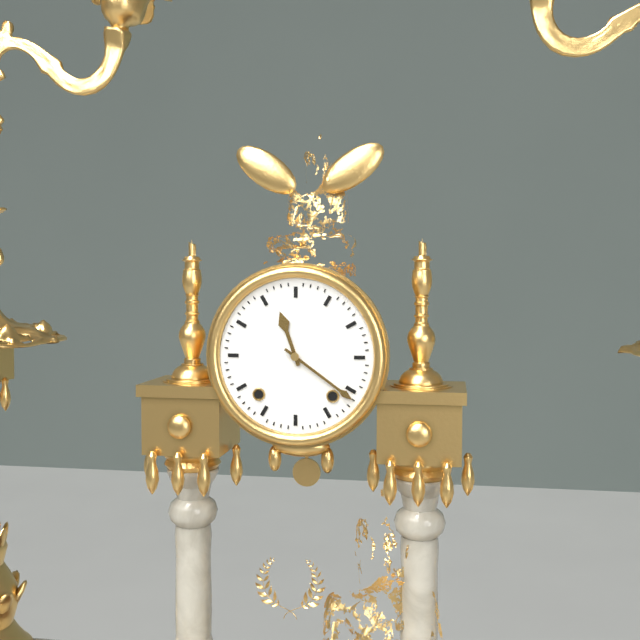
11:21
